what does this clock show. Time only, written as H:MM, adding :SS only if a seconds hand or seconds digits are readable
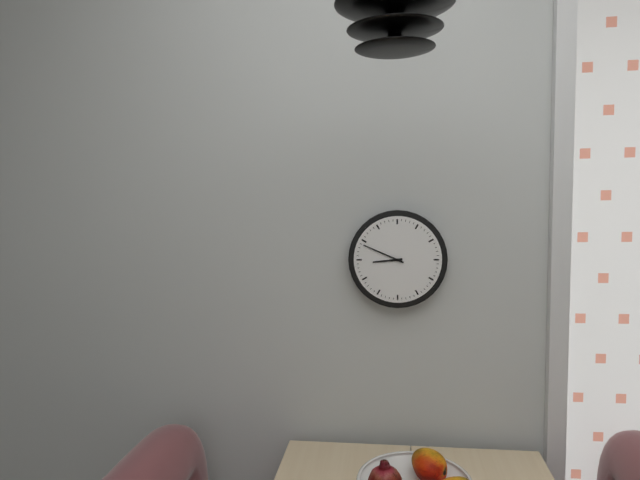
8:49
